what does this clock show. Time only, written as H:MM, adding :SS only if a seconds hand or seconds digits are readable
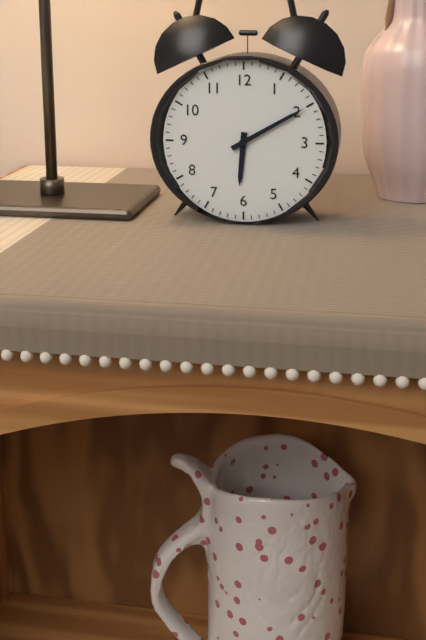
6:10
